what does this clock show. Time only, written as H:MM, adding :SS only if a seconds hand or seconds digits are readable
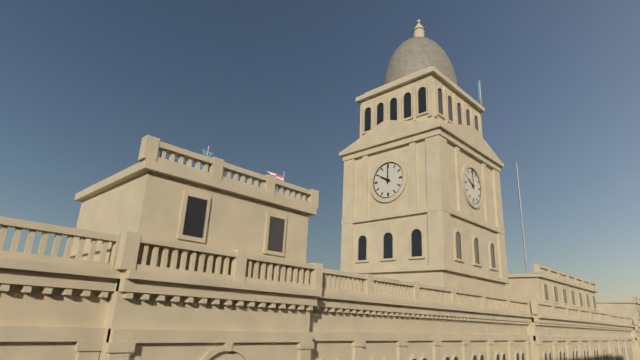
10:00
